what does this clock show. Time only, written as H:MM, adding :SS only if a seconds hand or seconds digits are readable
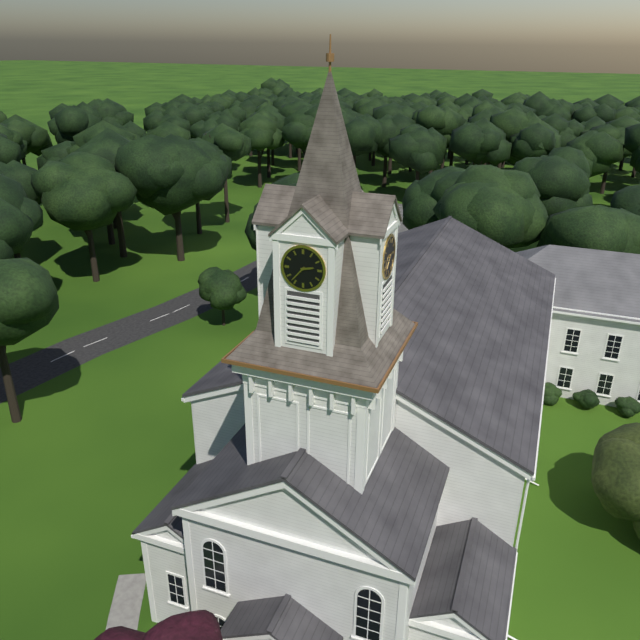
2:37
